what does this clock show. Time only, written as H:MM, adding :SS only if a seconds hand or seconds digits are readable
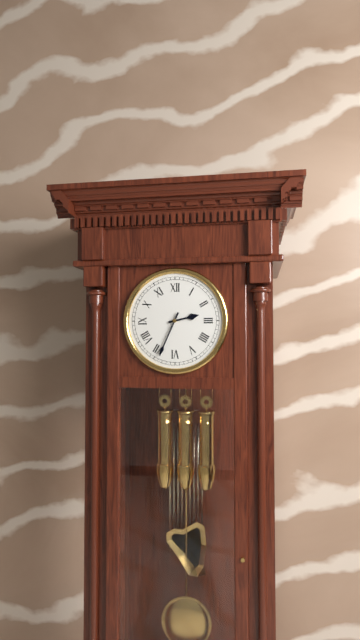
2:34
